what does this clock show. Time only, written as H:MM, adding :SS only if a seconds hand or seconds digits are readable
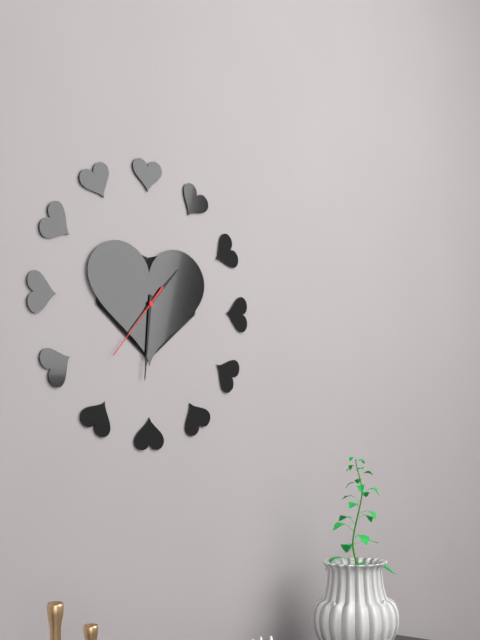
1:31:37
